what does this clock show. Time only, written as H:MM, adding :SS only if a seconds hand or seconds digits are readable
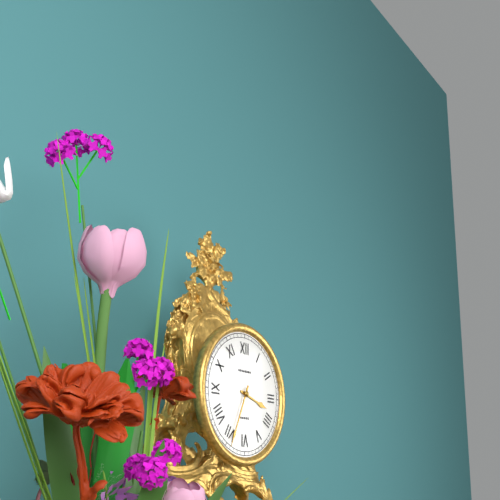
3:34
